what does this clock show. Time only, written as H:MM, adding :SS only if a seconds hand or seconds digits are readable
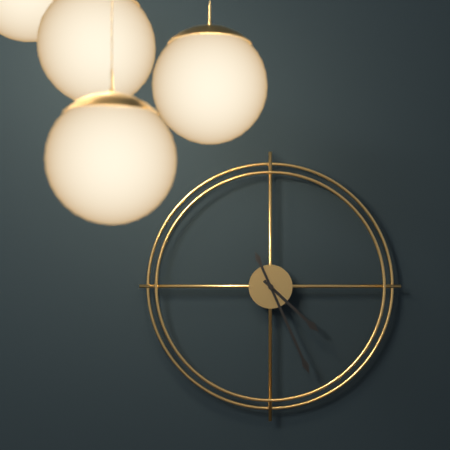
4:26
